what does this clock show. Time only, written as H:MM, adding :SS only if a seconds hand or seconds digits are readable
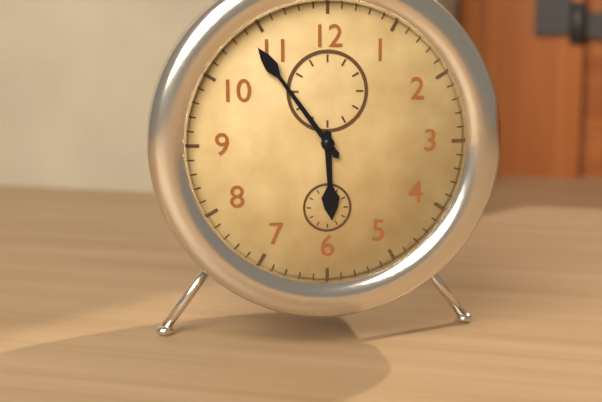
5:54
